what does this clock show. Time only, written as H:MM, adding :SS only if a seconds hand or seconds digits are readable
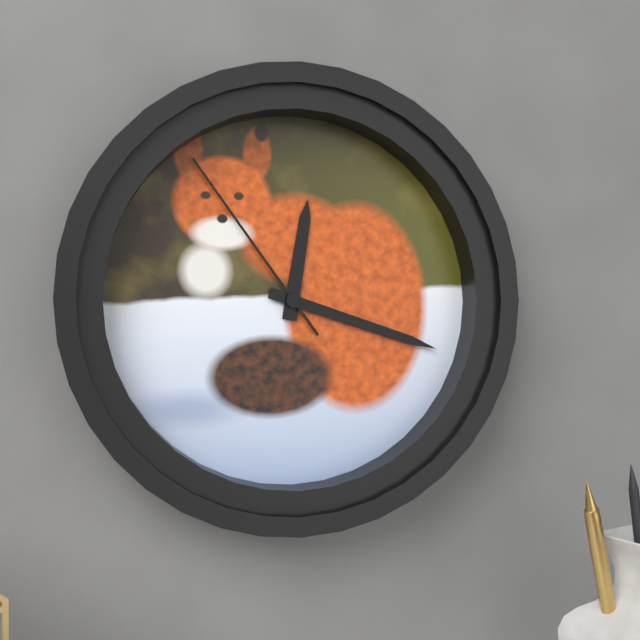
12:18:54
